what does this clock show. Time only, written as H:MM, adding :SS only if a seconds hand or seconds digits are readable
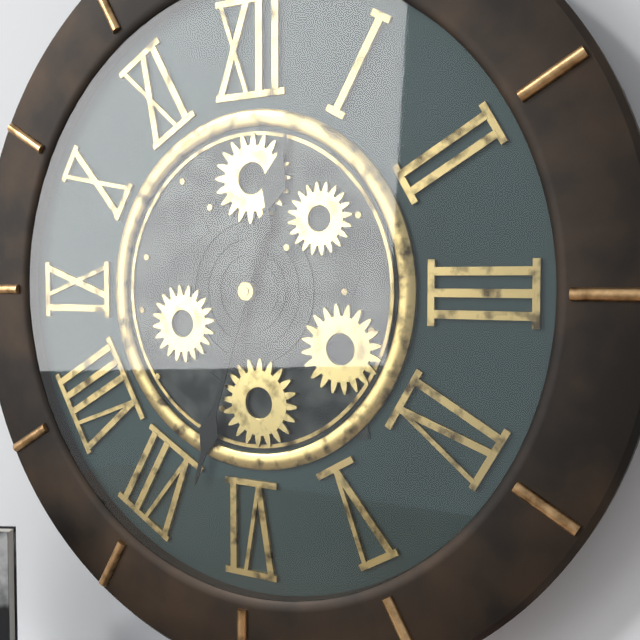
12:33
